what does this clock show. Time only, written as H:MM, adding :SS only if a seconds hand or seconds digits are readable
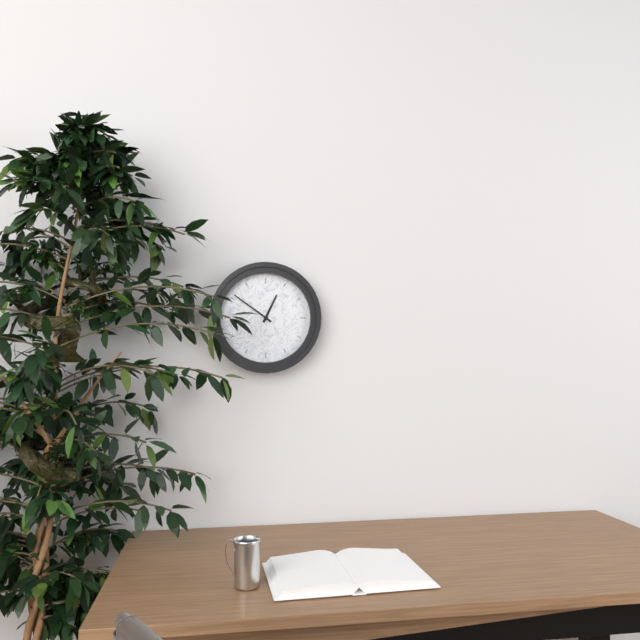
12:51
